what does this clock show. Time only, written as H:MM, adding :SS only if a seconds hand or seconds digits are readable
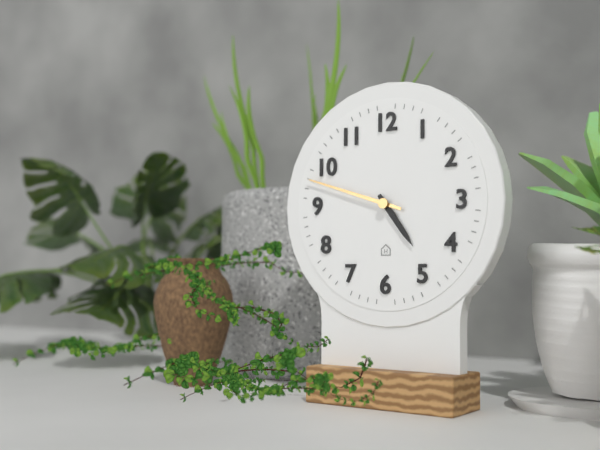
4:48
